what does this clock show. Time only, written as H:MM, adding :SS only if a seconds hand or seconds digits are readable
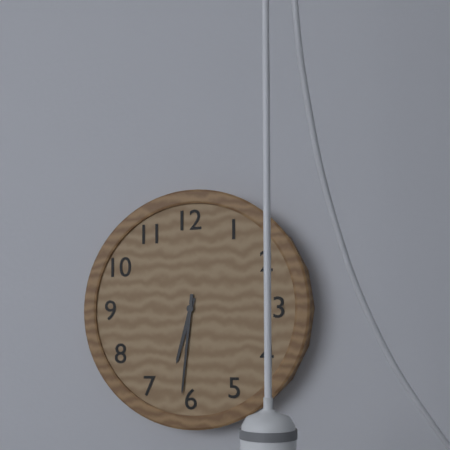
6:31
